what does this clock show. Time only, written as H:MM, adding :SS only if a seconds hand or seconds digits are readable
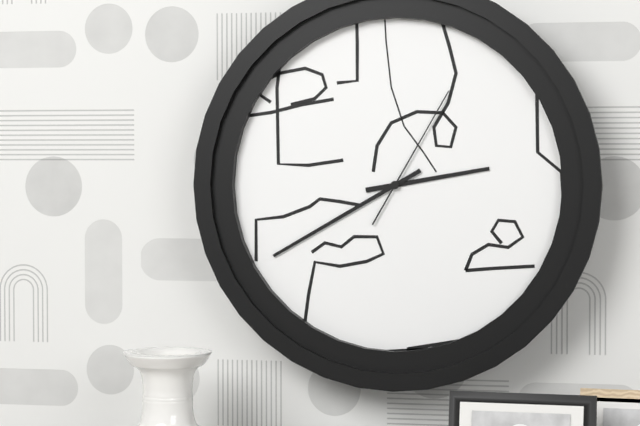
2:40:05
